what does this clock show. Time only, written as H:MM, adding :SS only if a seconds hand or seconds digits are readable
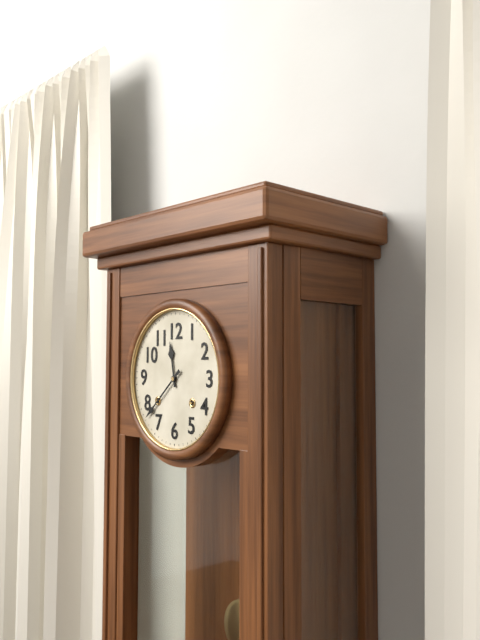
11:38
